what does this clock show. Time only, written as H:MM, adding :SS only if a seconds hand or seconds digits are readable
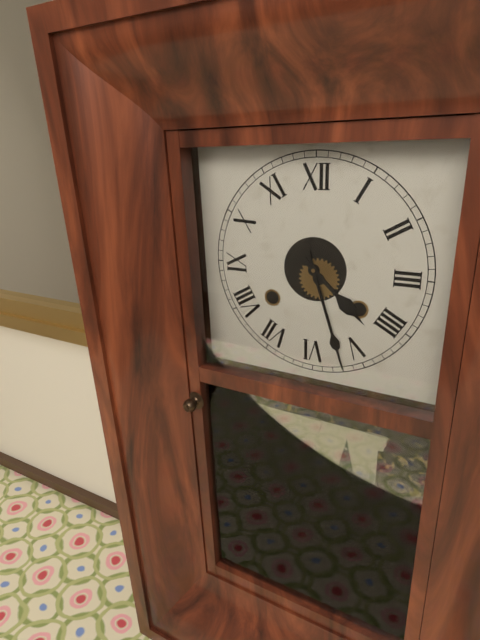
4:27
